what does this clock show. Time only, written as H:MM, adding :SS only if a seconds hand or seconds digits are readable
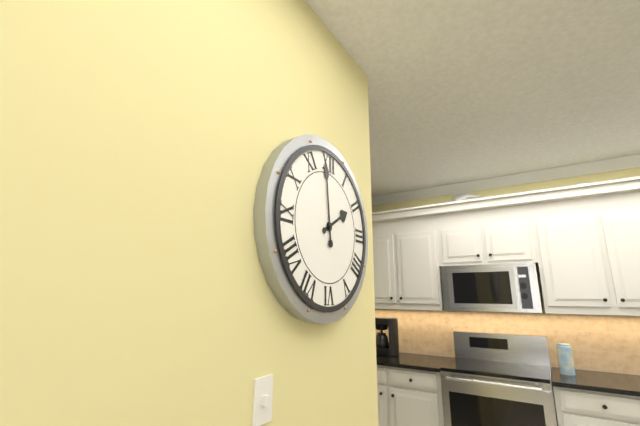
1:59
